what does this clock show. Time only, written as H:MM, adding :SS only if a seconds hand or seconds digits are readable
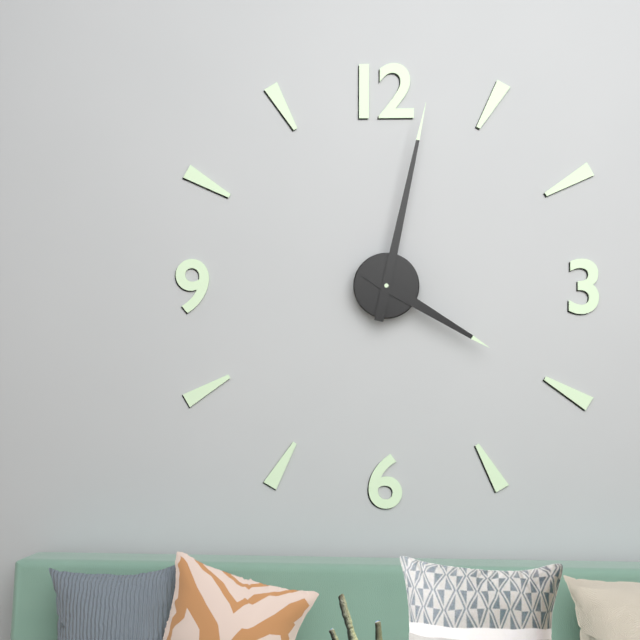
4:02
